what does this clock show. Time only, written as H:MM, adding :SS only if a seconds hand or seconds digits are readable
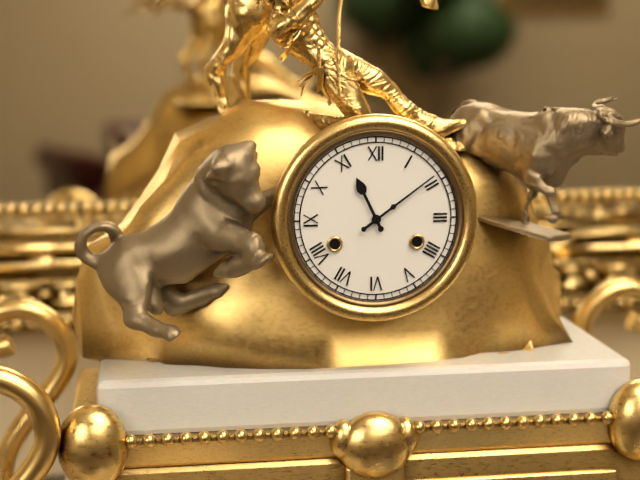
11:09
